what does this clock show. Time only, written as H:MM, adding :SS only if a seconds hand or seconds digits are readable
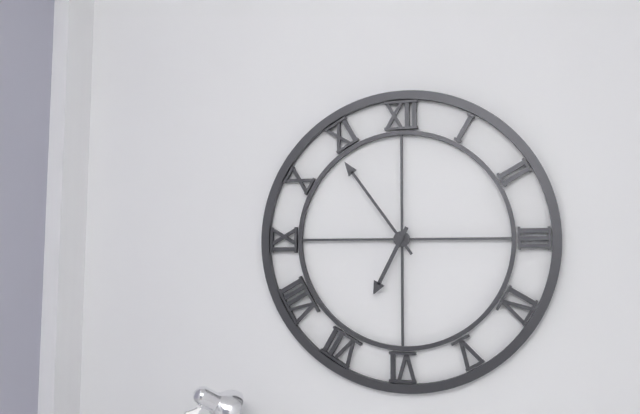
6:54
